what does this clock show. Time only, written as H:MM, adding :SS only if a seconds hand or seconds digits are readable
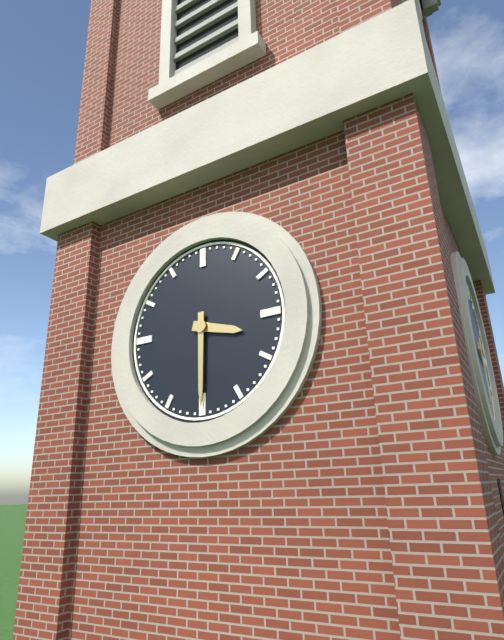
3:30
